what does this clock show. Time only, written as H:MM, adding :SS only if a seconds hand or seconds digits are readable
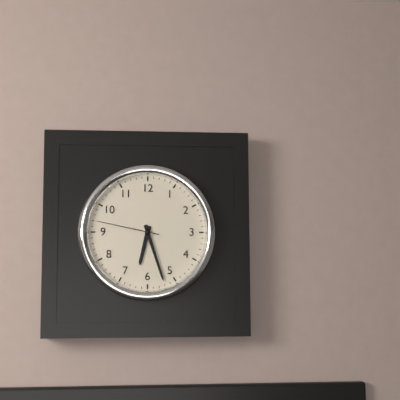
6:27:47
